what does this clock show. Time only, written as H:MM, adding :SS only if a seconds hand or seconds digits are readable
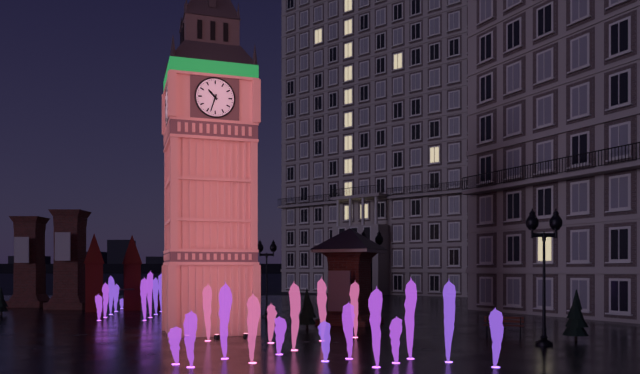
10:33
